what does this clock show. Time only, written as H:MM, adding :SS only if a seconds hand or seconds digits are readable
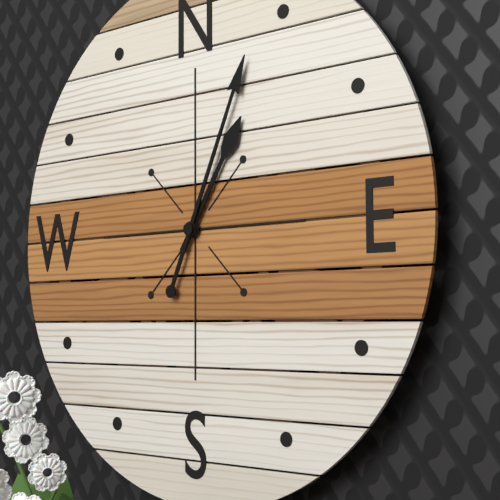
1:04
